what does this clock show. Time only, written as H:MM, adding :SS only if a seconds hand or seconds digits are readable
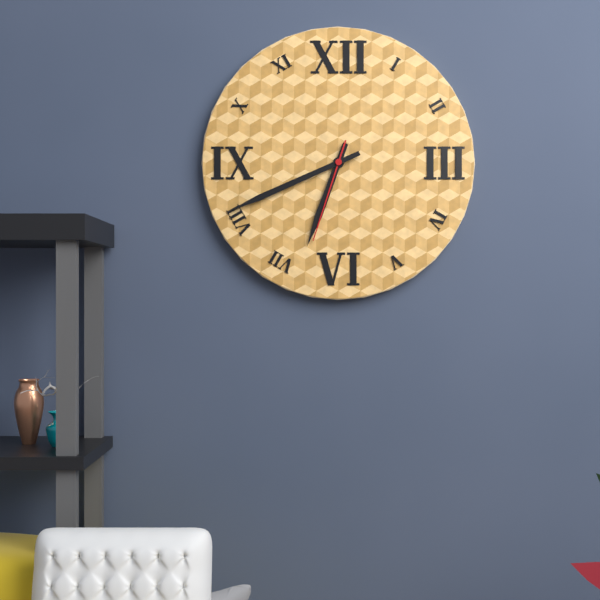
6:41:33
